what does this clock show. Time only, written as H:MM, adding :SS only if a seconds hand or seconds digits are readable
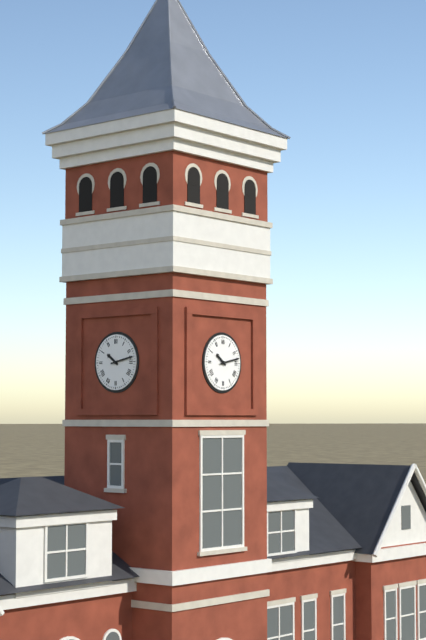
10:13
